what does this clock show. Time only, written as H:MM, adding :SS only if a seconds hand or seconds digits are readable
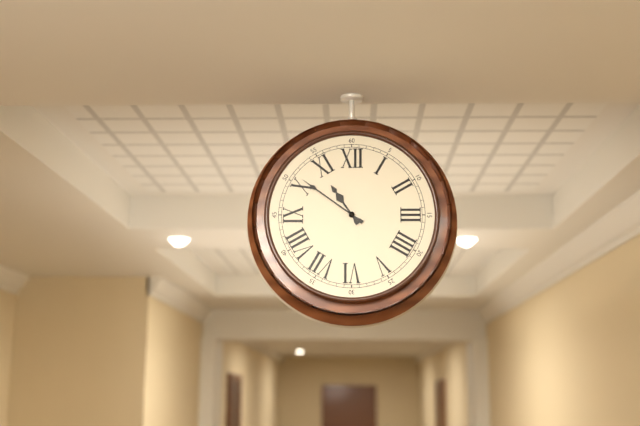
10:51
